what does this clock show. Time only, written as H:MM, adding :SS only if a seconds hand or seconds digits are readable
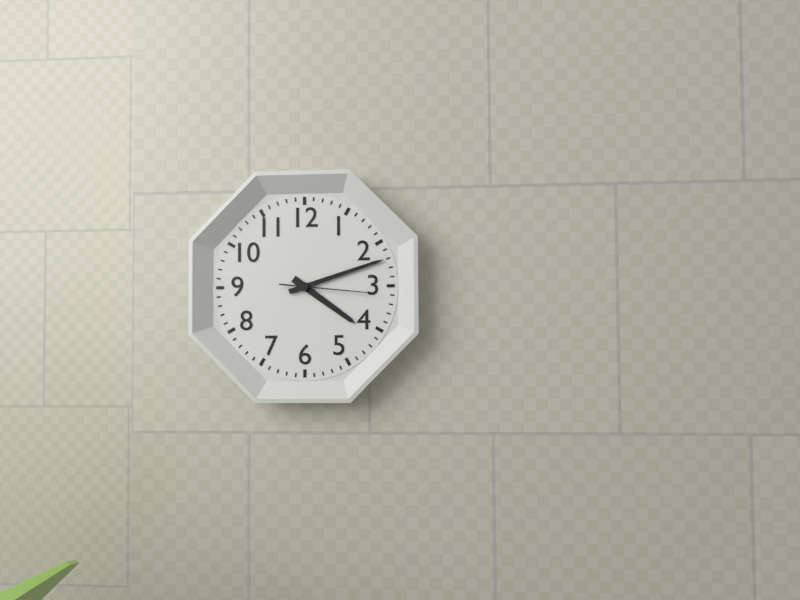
4:12:16
